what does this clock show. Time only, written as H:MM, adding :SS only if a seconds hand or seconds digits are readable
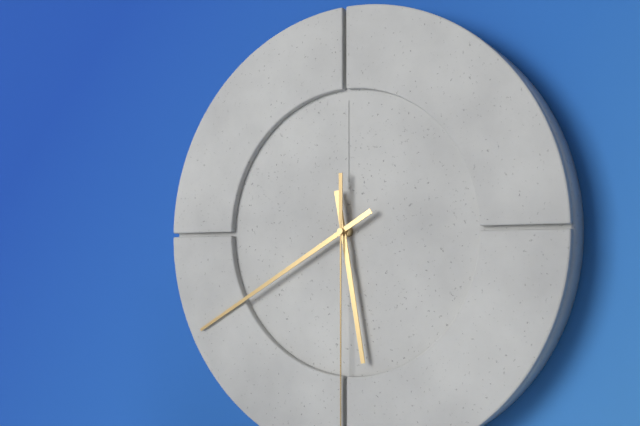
5:40
